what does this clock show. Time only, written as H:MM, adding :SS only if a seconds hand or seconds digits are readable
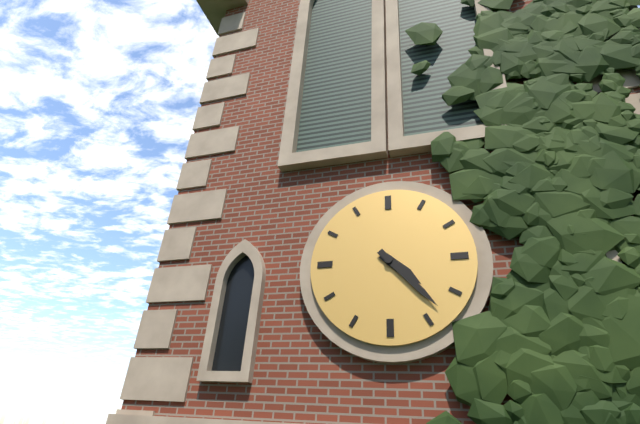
4:23
